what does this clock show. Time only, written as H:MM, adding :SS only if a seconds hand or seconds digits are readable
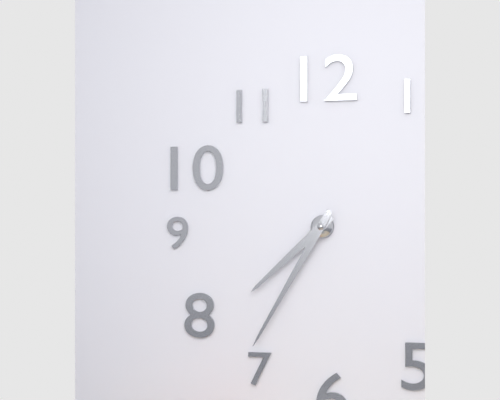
7:35
